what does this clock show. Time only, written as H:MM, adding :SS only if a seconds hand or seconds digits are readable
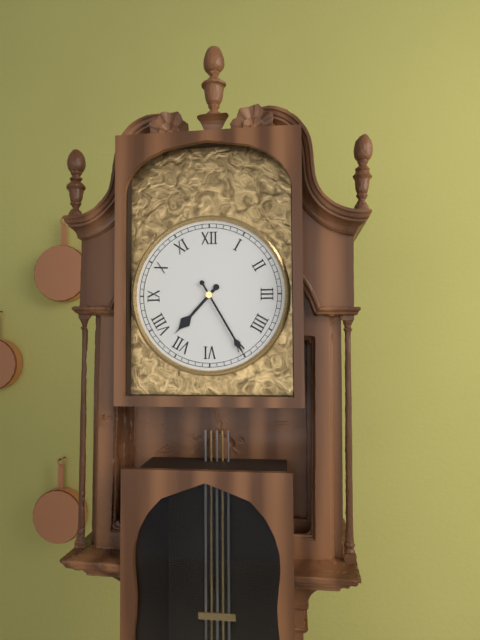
7:25
